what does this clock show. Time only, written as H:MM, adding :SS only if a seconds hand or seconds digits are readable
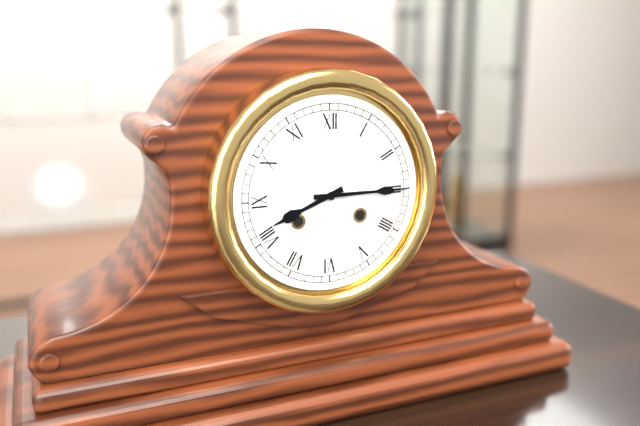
8:15
